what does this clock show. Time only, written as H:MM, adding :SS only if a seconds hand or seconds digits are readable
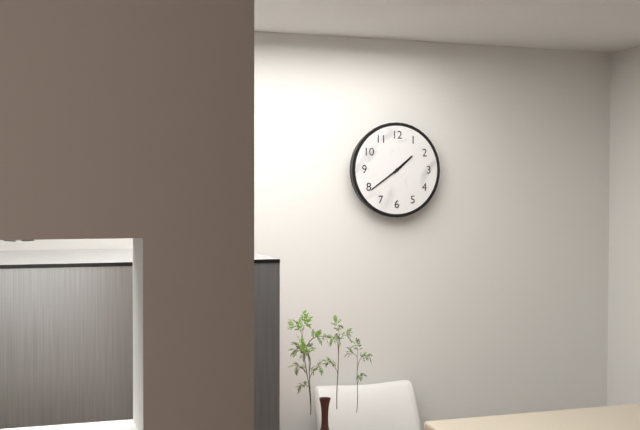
1:39
